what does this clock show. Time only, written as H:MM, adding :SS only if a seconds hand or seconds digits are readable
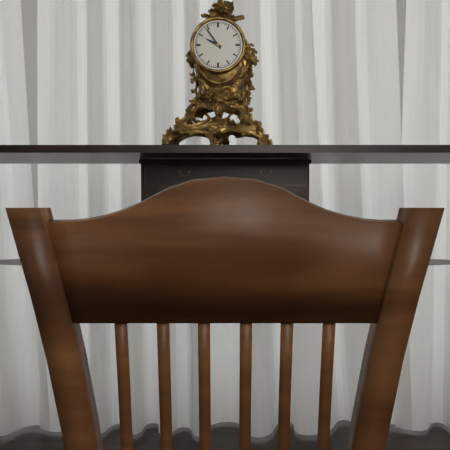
9:54
